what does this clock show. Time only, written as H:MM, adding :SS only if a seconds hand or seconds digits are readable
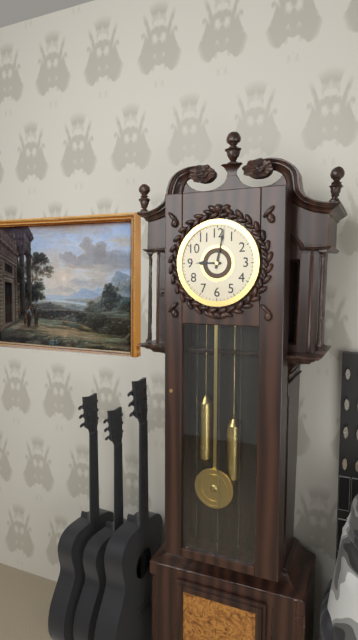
9:02
